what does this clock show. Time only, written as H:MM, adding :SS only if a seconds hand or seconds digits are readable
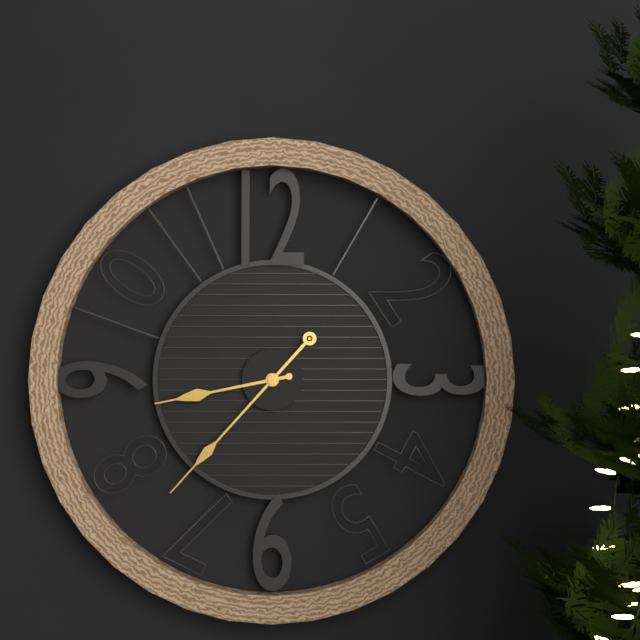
8:37
